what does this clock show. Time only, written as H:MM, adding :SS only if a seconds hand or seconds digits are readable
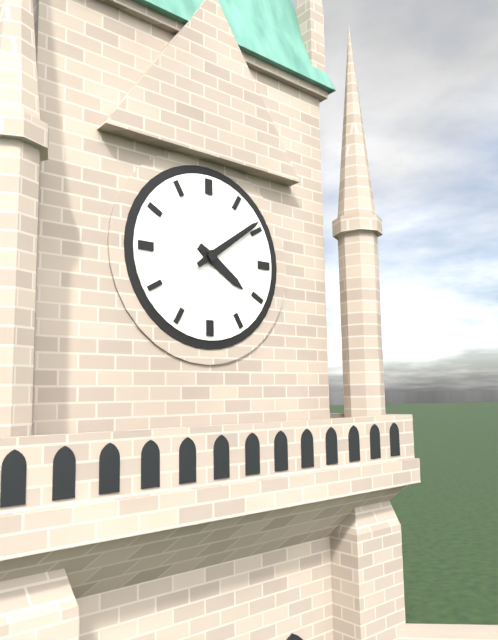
4:09
